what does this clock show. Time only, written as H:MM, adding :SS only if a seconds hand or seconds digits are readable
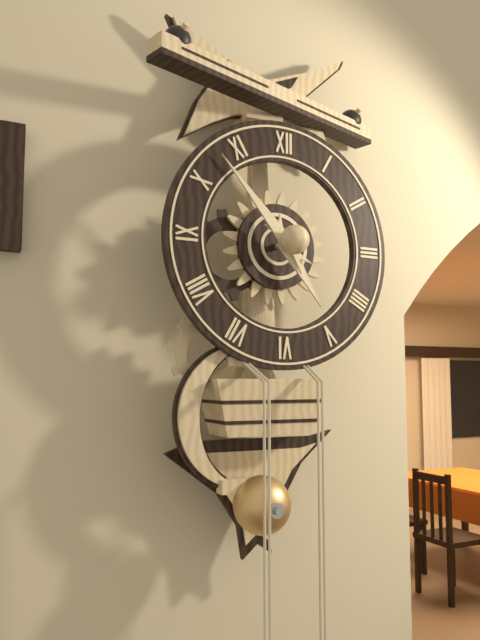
4:53
